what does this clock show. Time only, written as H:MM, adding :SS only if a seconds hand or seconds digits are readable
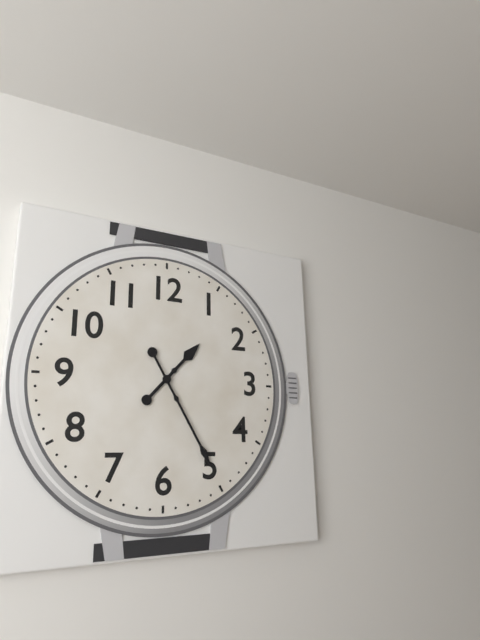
1:25
